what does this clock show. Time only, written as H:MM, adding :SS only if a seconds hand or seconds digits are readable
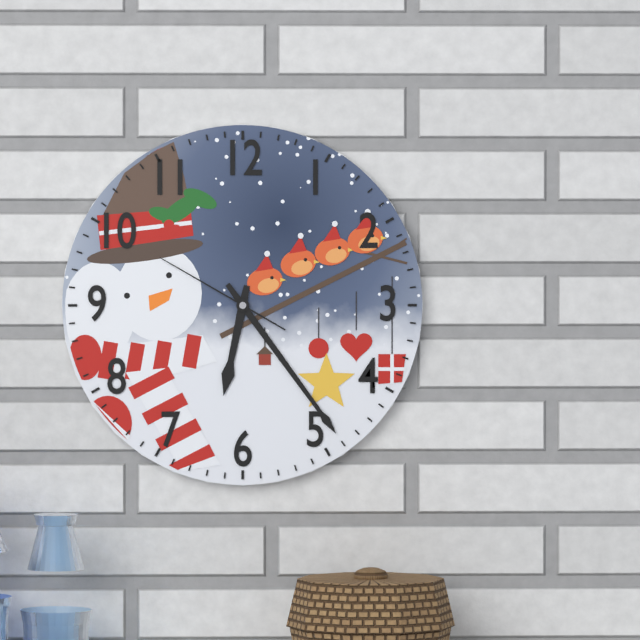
6:24:50
